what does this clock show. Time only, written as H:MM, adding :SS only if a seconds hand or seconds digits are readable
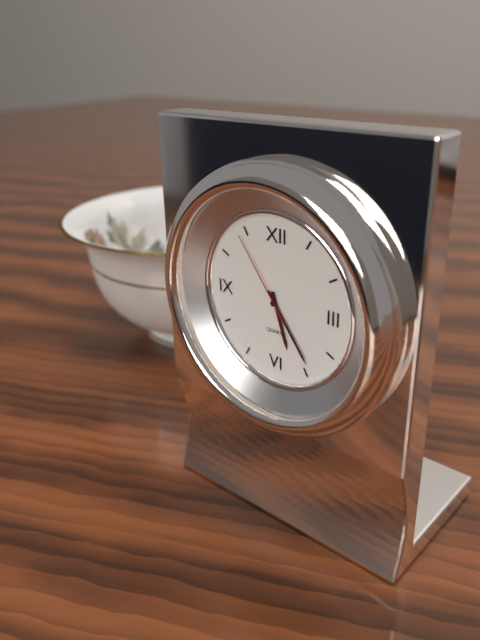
5:24:54
